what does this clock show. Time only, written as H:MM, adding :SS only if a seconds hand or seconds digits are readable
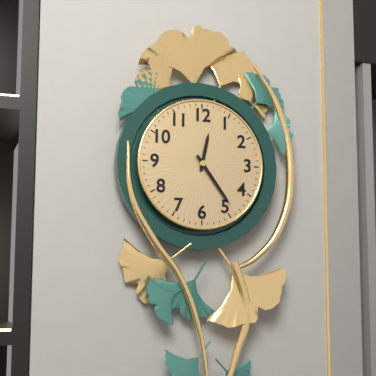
12:24
